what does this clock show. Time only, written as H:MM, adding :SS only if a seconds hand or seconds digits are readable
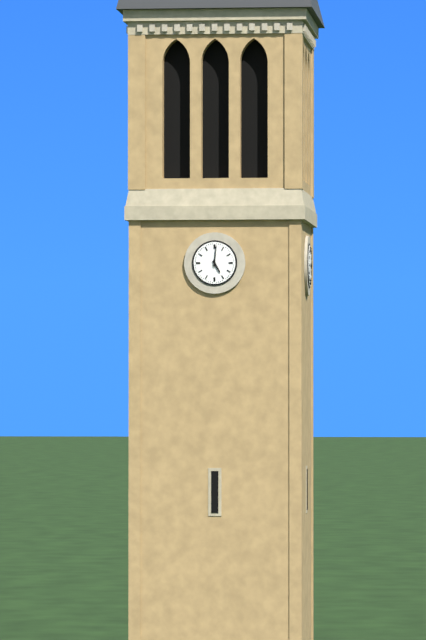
5:01
